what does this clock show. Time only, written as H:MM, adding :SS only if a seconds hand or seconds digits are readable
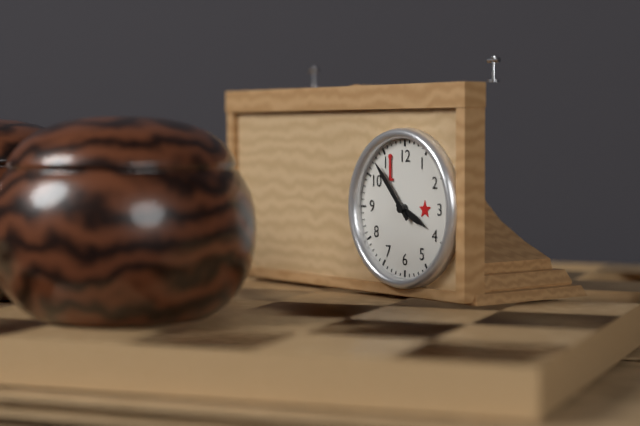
3:53
